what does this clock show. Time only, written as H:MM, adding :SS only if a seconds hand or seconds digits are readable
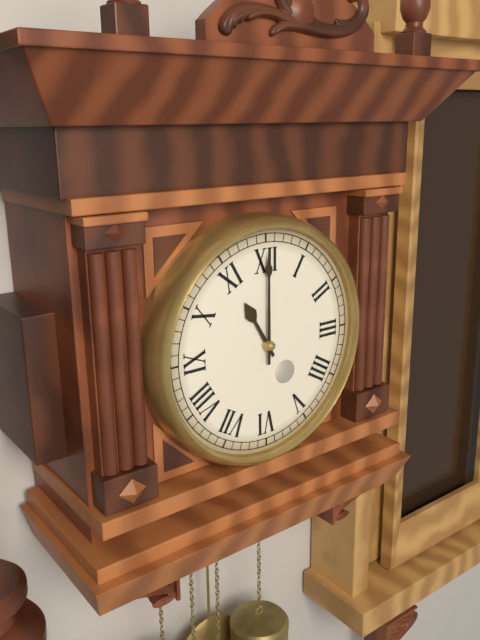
11:00
